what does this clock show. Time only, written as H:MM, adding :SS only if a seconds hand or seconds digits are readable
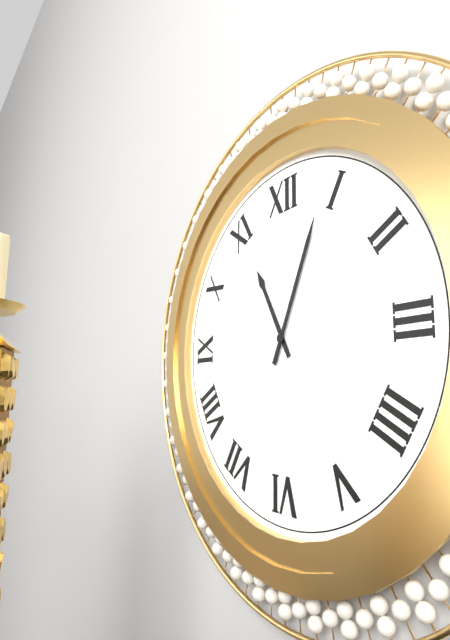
11:04
